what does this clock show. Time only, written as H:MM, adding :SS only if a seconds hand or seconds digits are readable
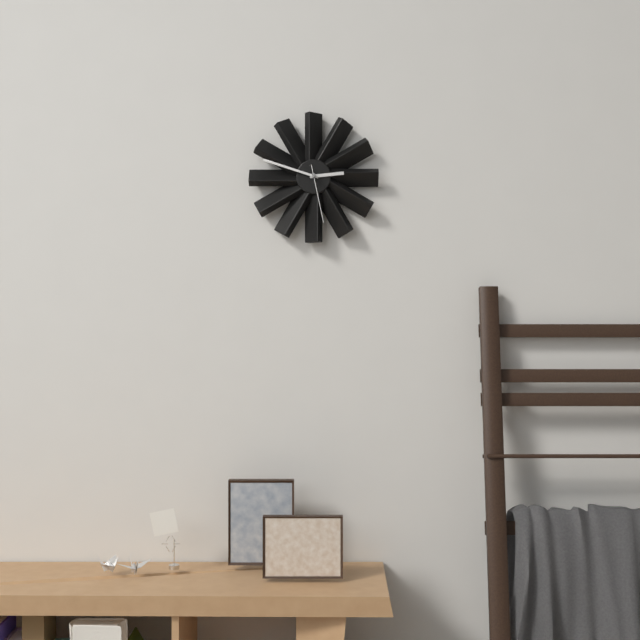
2:48:28
